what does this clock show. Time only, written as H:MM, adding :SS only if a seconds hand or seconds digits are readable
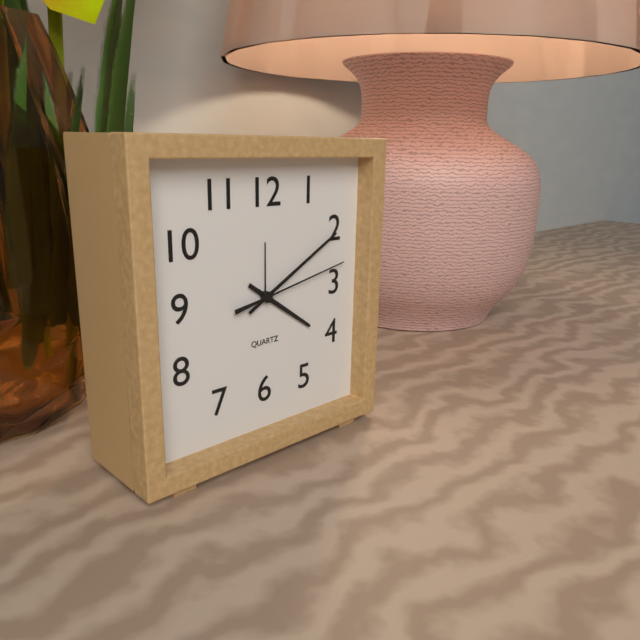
4:10:13
